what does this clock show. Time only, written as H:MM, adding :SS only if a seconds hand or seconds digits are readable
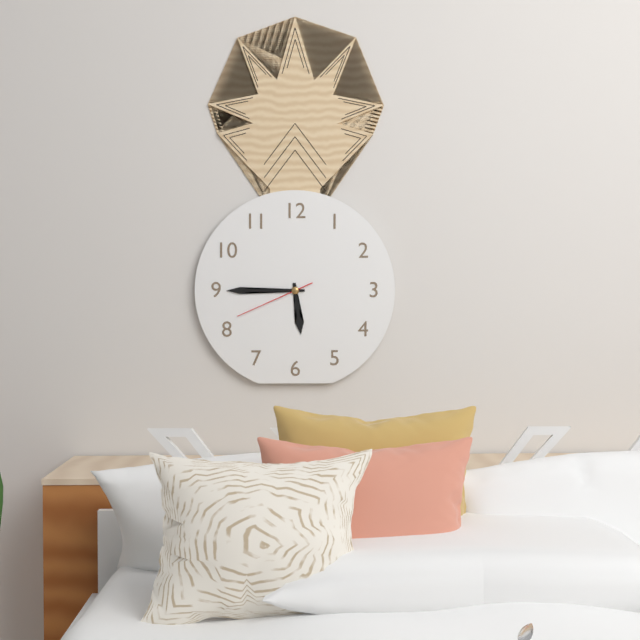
5:45:41
